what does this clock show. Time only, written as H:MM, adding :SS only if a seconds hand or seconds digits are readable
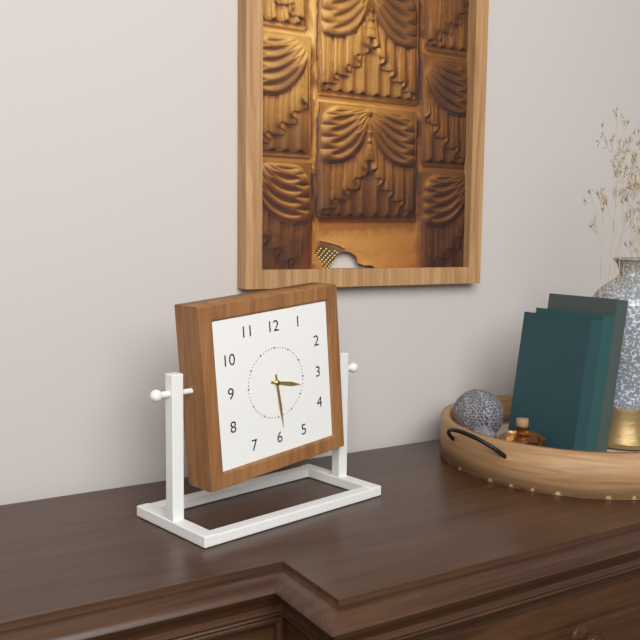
3:29
